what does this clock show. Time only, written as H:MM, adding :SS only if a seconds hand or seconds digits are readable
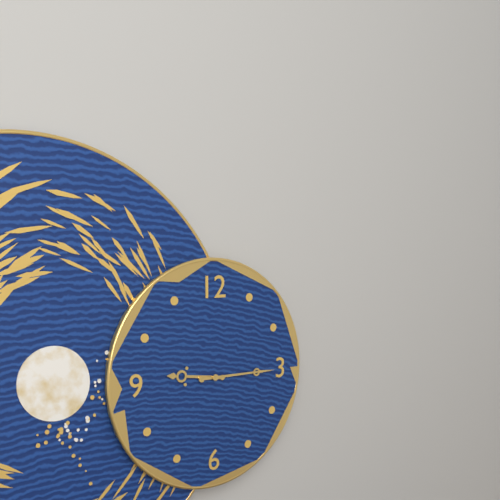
9:15
